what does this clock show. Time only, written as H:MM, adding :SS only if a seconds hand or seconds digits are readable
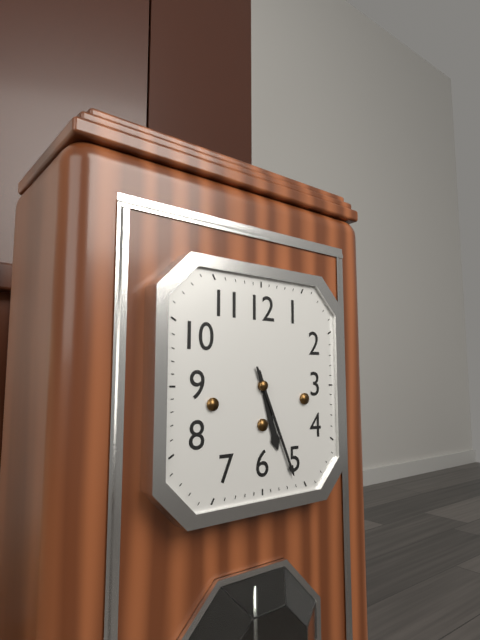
5:26
